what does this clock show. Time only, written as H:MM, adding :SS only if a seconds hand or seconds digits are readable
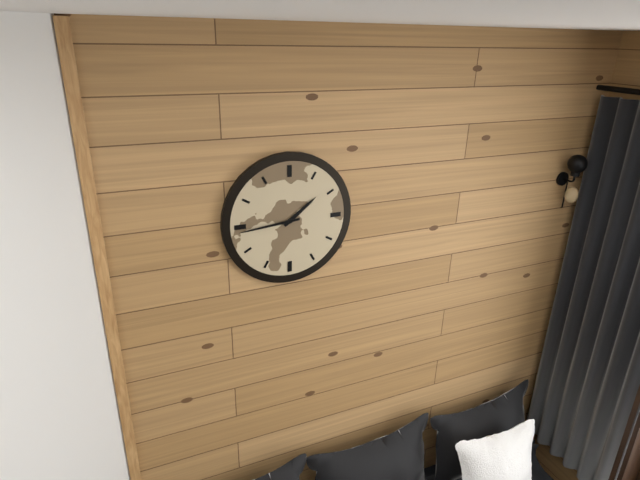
1:44
